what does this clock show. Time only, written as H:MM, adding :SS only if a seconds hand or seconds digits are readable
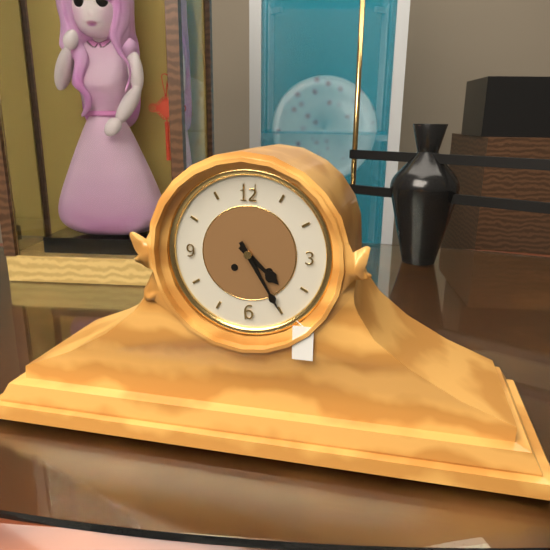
4:25
